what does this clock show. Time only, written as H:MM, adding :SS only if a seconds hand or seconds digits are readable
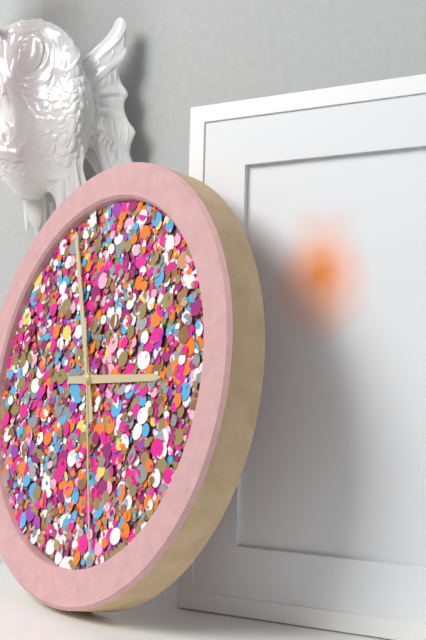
2:56:27
